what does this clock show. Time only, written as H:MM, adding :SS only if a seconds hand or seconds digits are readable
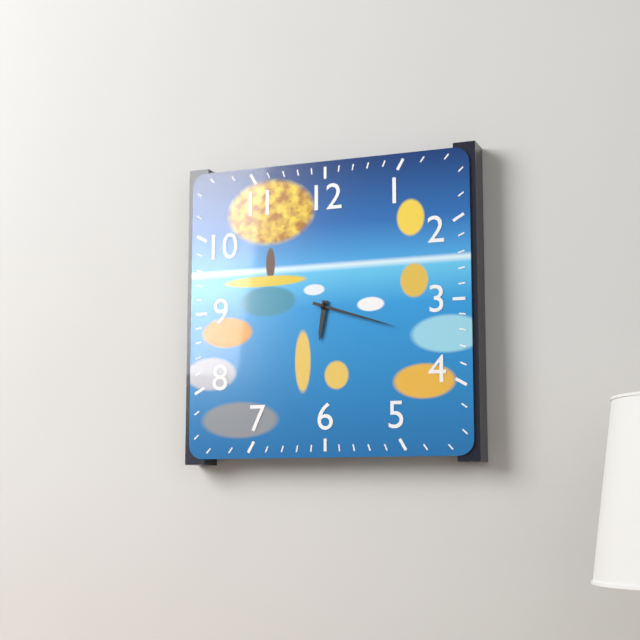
6:18
